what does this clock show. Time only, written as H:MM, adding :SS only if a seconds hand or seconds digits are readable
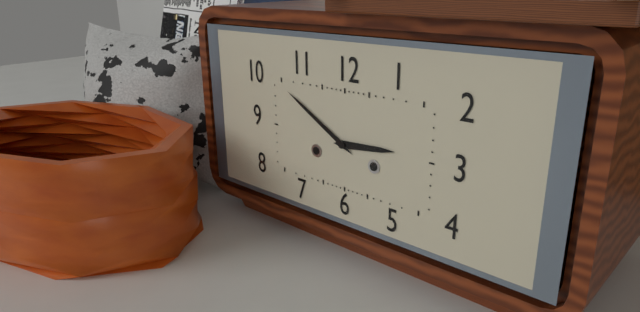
2:50
